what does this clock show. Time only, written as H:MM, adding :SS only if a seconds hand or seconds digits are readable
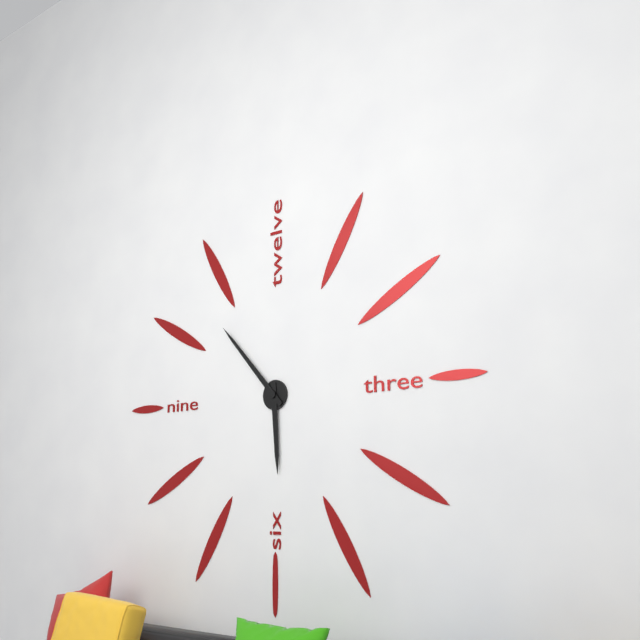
5:53
